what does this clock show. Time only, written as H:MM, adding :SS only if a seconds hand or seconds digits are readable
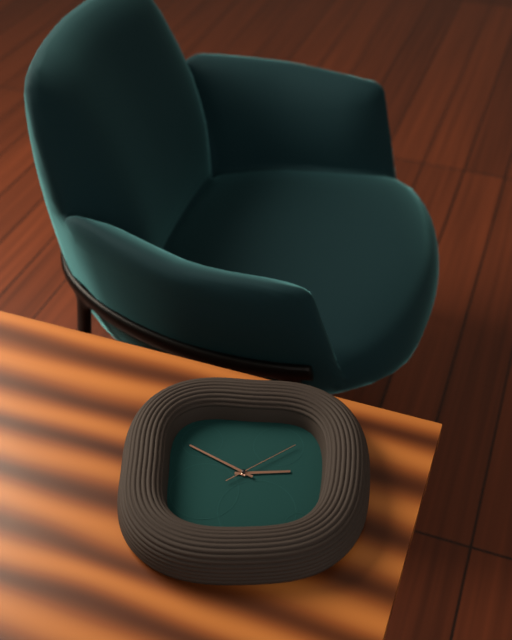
2:50:09
